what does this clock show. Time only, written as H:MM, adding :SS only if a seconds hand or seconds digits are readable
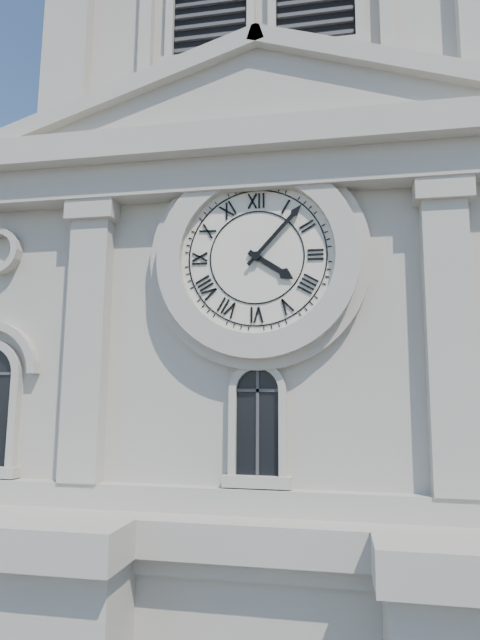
4:07
